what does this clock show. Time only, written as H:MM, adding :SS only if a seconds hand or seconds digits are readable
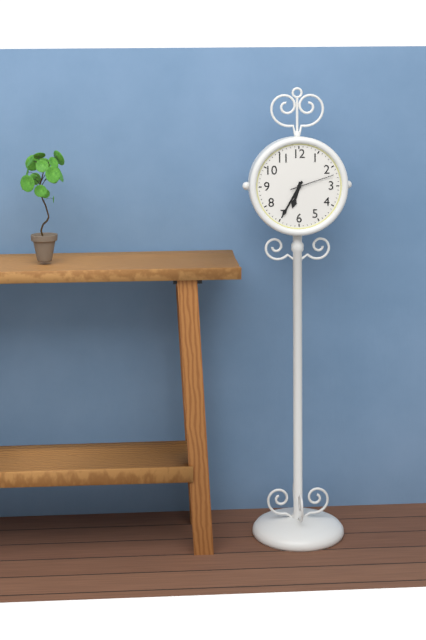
6:35
